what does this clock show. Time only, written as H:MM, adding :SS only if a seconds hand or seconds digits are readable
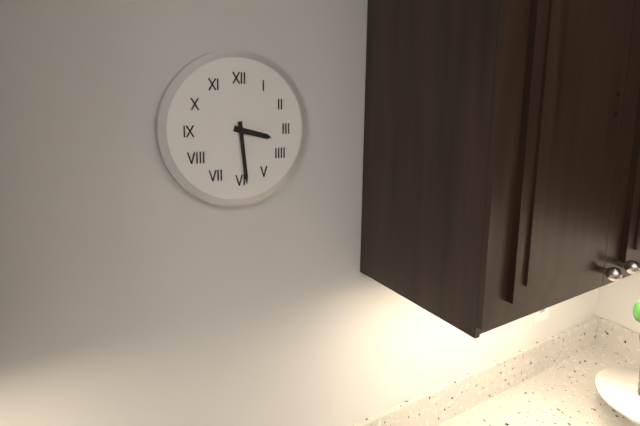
3:29
